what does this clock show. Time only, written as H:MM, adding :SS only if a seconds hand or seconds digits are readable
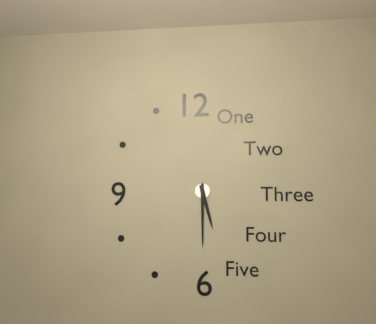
5:30
